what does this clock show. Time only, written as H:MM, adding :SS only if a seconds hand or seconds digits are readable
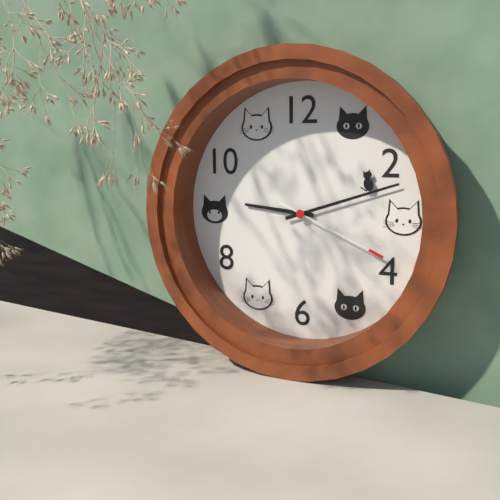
9:12:19
